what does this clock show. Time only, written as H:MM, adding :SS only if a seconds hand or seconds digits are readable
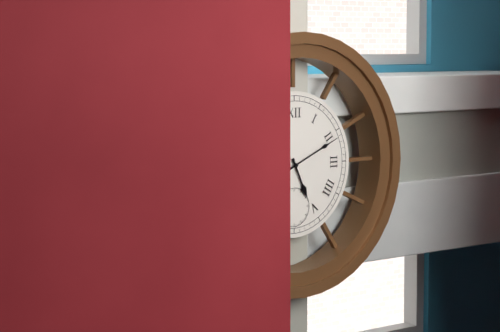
5:11
